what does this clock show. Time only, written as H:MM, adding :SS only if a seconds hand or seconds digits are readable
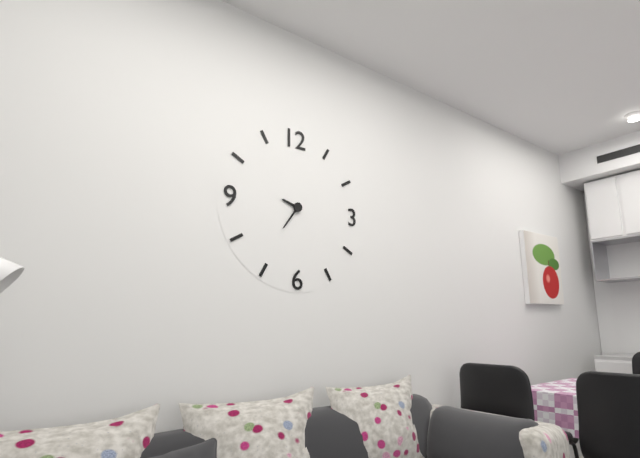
9:36
